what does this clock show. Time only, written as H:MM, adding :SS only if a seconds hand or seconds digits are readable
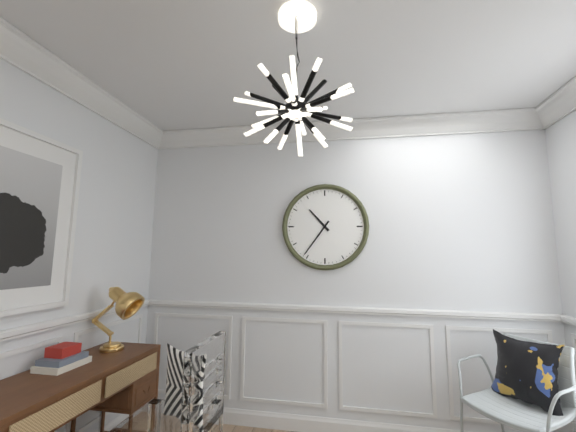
10:36
